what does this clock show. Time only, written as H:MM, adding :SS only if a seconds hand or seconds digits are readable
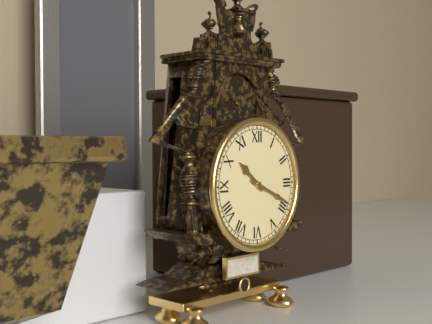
10:19
